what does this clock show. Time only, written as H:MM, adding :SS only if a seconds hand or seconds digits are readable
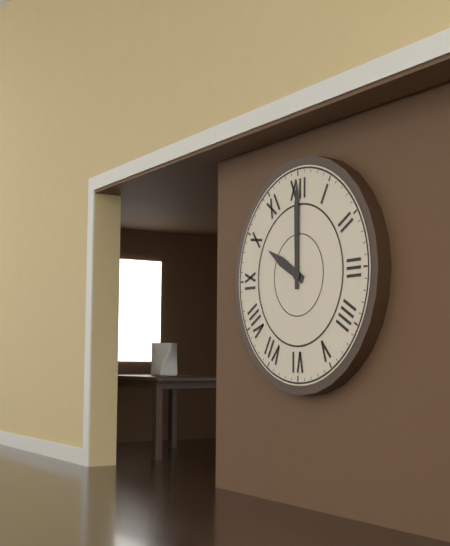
10:00
